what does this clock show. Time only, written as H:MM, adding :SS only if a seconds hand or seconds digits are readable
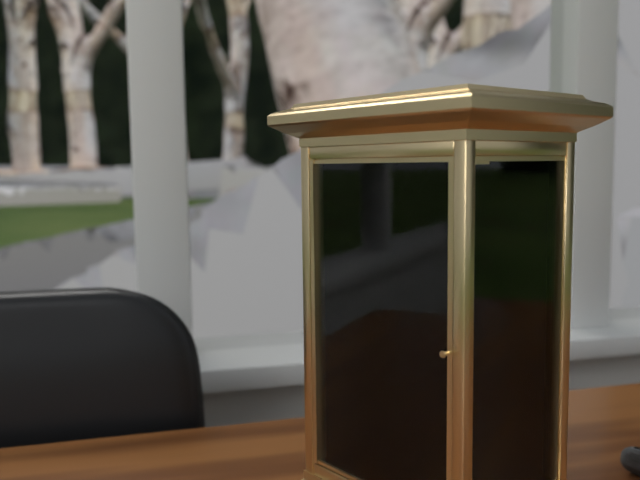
9:45
